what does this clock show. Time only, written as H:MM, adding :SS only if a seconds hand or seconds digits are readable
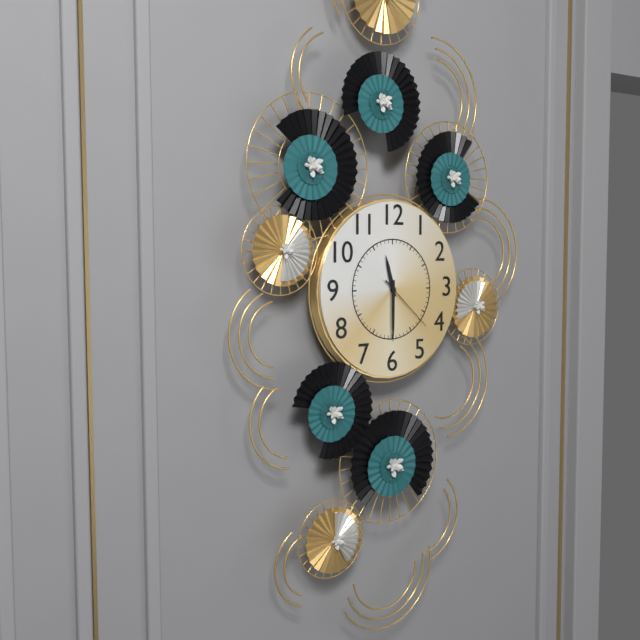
11:30:22
